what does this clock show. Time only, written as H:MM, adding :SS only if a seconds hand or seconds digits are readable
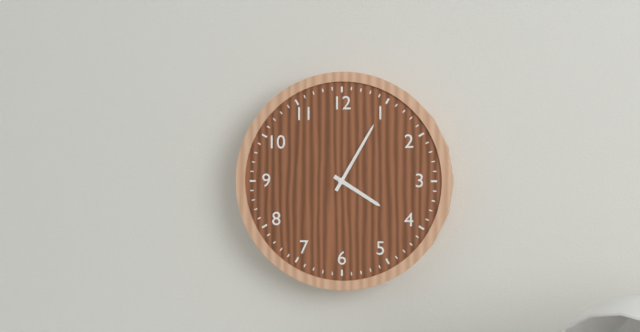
4:05
